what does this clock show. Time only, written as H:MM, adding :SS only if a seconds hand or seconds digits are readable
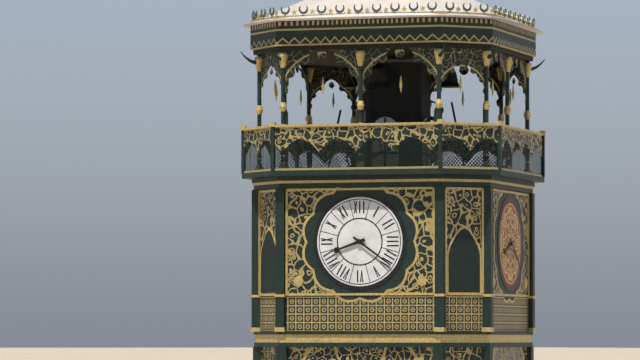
8:21
